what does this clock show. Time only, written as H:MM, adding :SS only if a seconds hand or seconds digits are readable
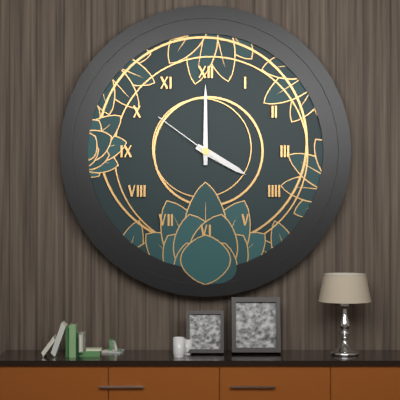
4:00:51
